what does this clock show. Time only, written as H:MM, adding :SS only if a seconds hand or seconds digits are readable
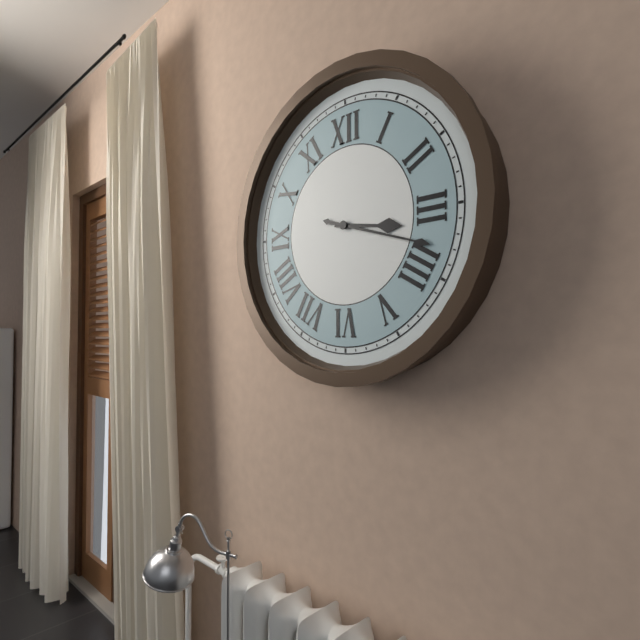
3:18
